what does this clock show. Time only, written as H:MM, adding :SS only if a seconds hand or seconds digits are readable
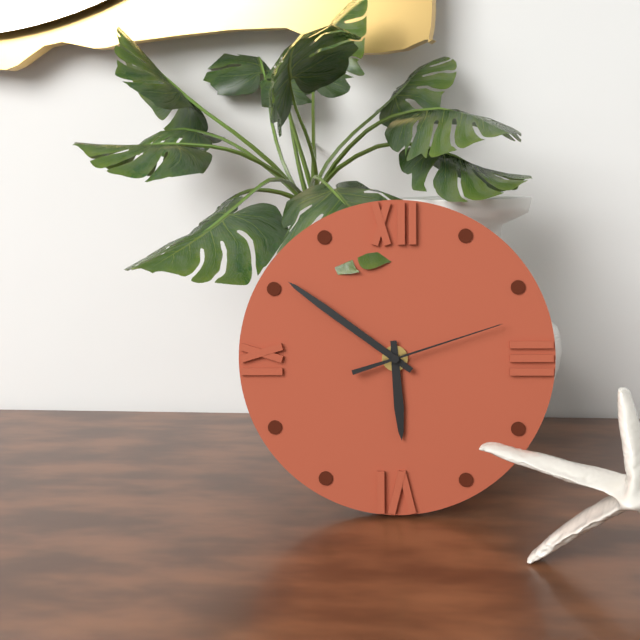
5:51:12
